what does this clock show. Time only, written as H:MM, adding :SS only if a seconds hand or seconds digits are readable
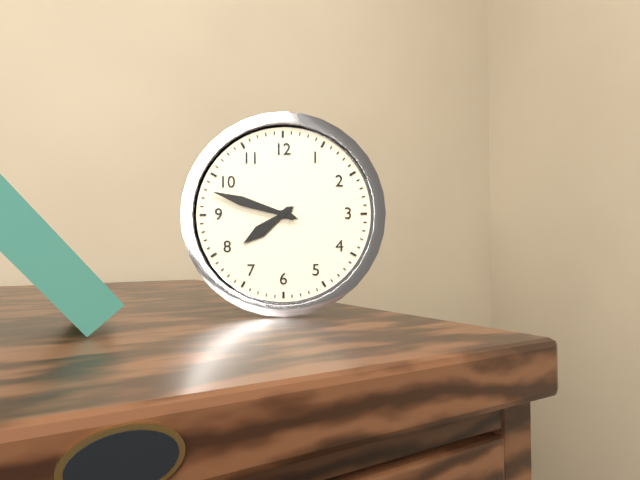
7:48
